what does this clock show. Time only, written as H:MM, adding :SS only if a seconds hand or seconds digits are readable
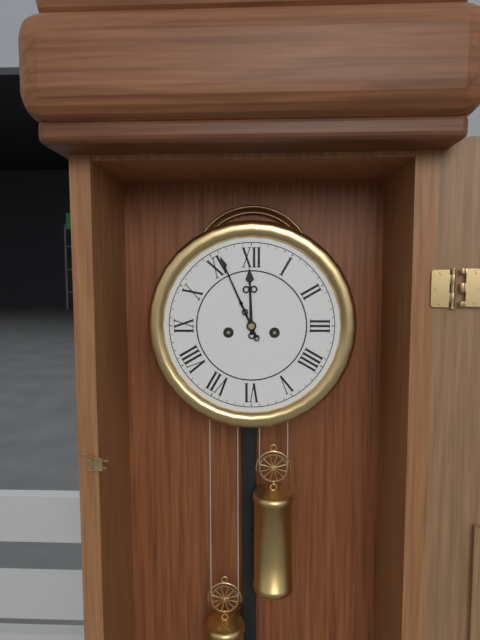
11:56
